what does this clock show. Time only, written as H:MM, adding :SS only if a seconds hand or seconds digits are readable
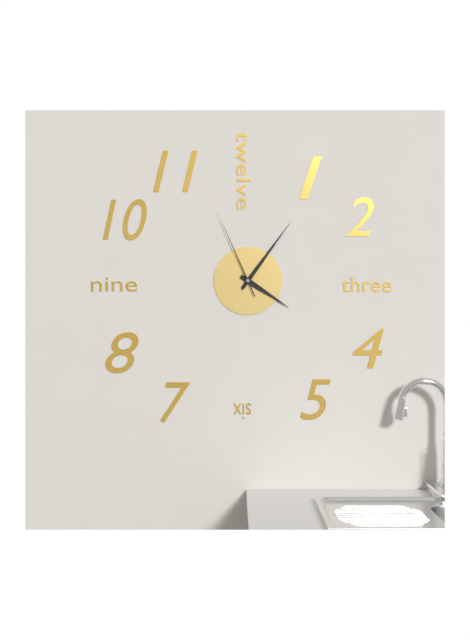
4:06:56
